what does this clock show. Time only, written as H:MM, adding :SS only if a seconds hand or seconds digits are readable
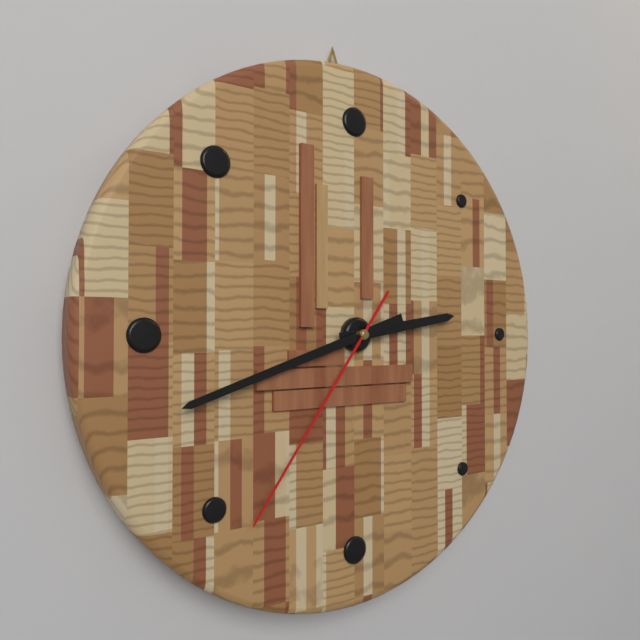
2:42:36
